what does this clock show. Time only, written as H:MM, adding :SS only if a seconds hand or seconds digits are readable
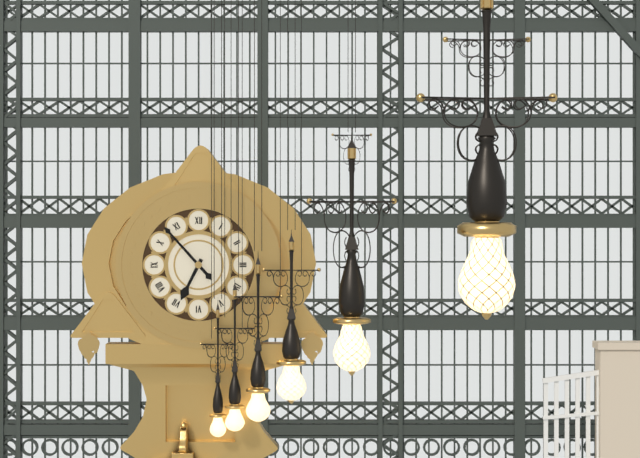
6:53
